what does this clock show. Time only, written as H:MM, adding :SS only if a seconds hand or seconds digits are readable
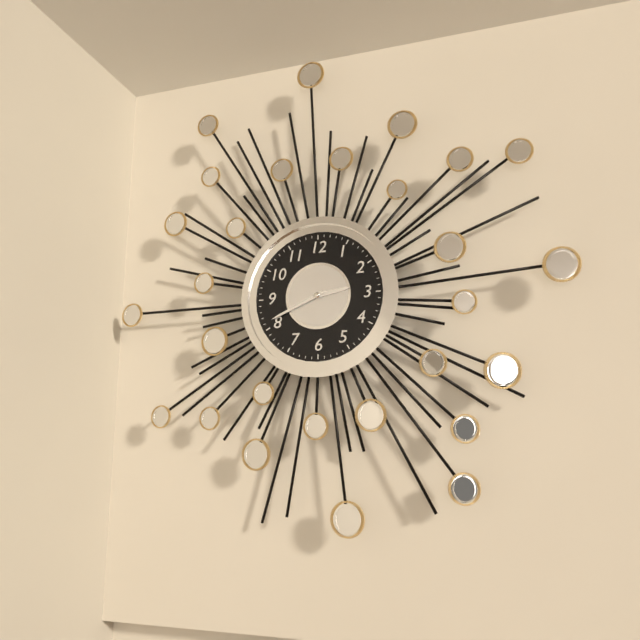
2:41
